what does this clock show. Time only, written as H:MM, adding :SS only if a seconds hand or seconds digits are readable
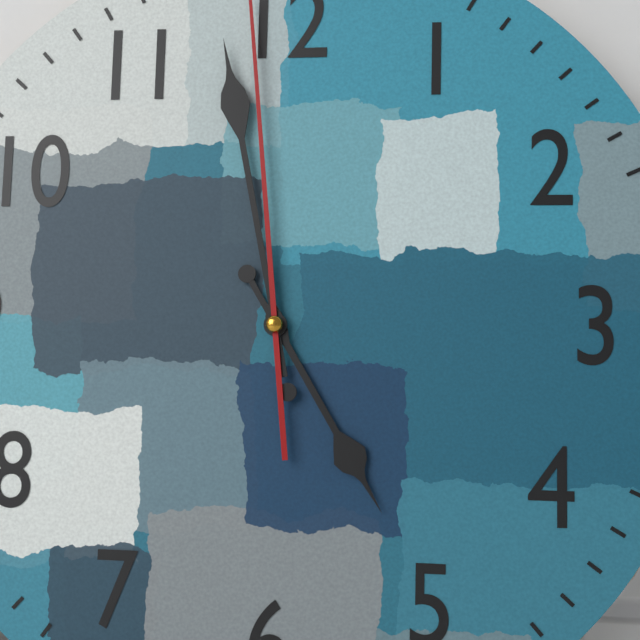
4:58
